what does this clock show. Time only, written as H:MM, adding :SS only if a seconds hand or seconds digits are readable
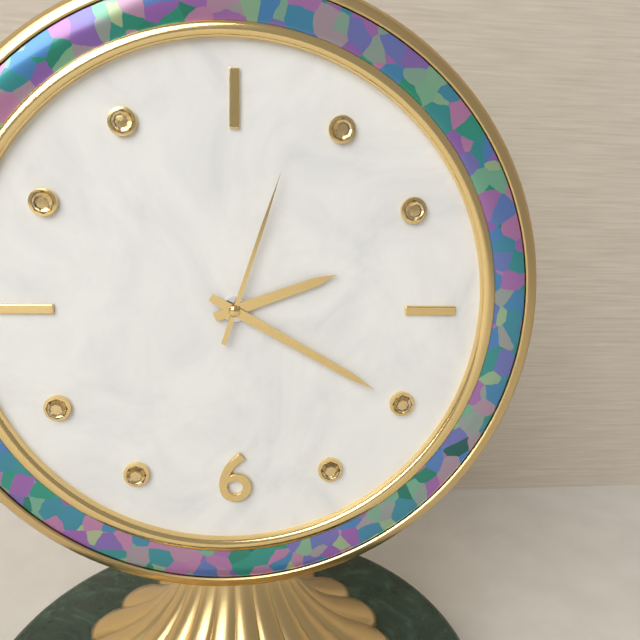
2:20:03
